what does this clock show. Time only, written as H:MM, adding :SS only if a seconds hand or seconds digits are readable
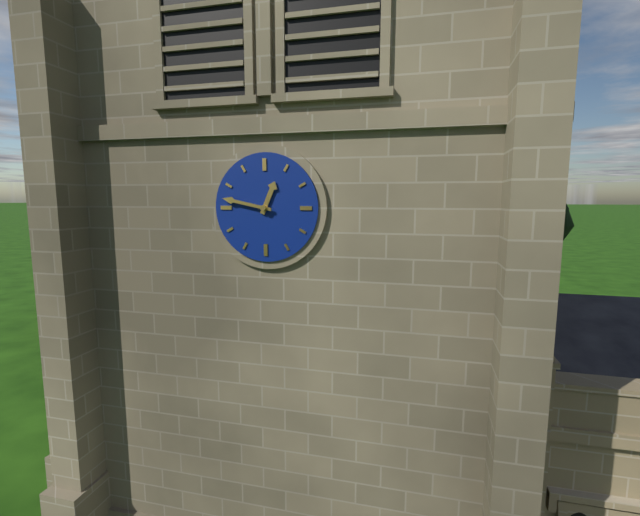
12:47
